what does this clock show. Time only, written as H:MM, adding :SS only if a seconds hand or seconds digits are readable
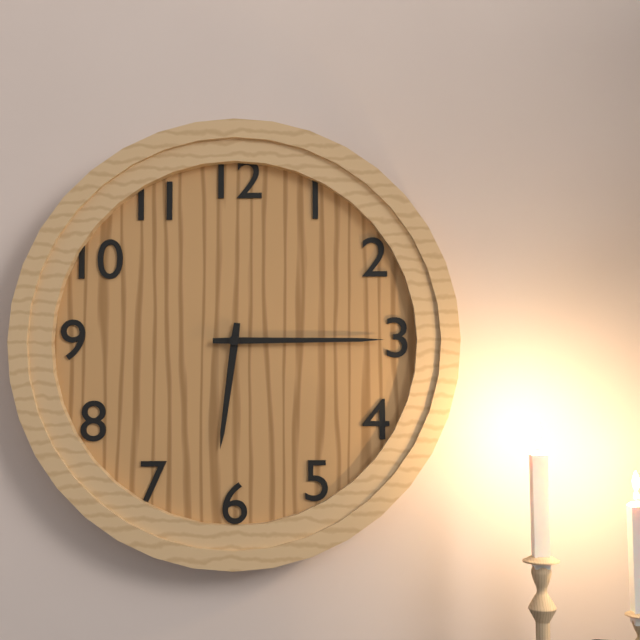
6:15
